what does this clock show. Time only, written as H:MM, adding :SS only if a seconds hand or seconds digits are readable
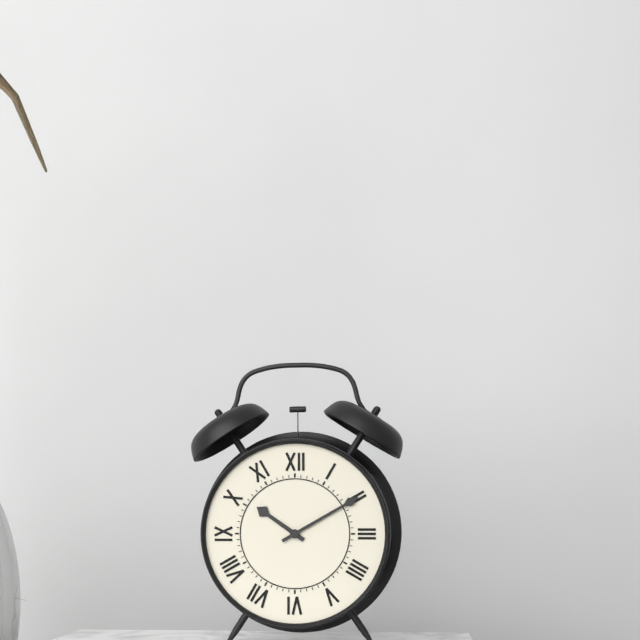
10:10
